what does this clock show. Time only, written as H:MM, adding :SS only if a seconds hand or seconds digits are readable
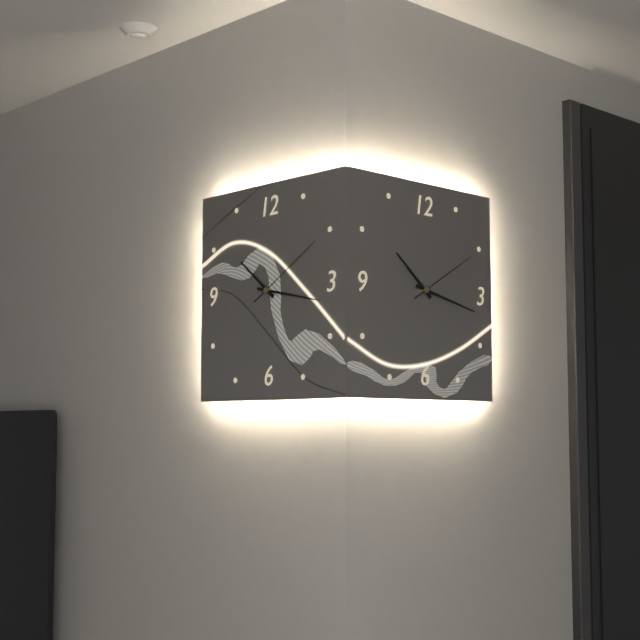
10:17:10
